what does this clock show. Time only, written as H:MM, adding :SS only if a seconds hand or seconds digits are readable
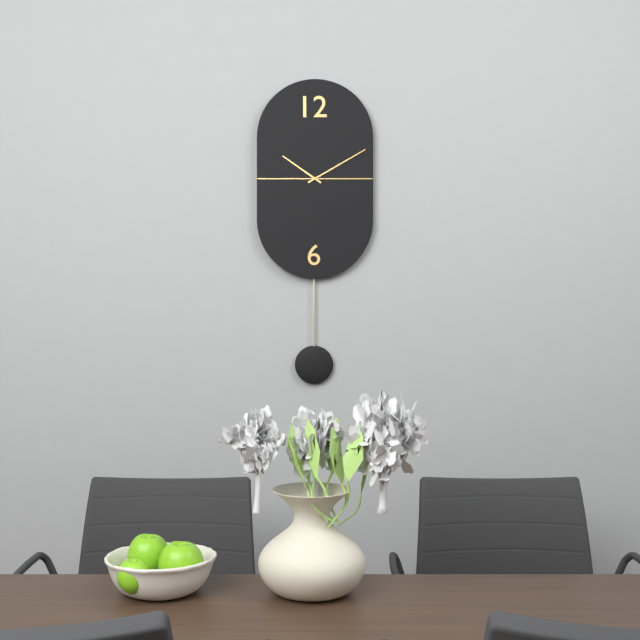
10:10
